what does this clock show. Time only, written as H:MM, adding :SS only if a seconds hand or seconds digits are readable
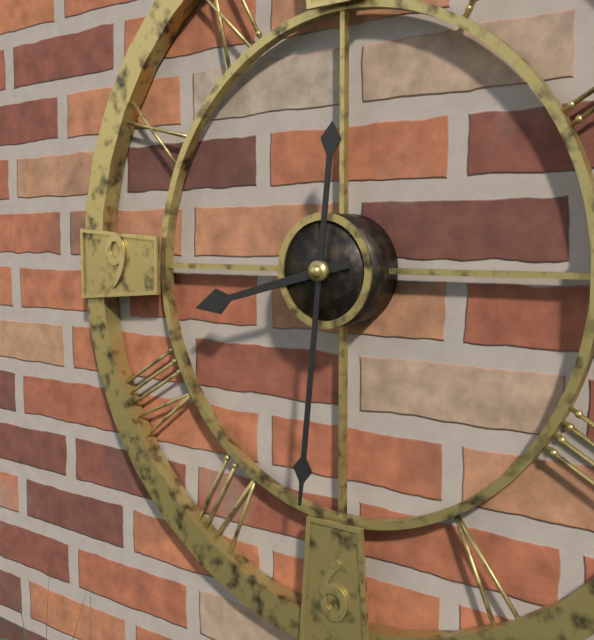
8:31
